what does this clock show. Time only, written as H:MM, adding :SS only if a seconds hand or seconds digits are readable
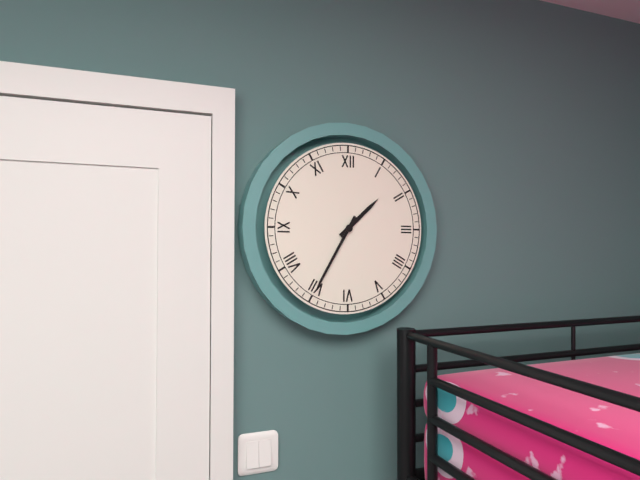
1:35
